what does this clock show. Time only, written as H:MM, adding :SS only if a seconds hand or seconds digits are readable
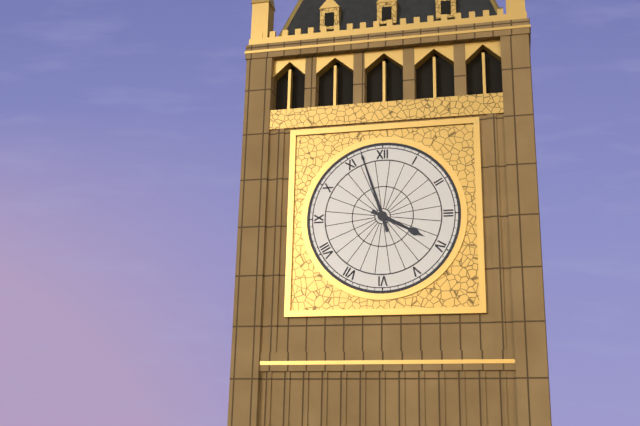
3:57
